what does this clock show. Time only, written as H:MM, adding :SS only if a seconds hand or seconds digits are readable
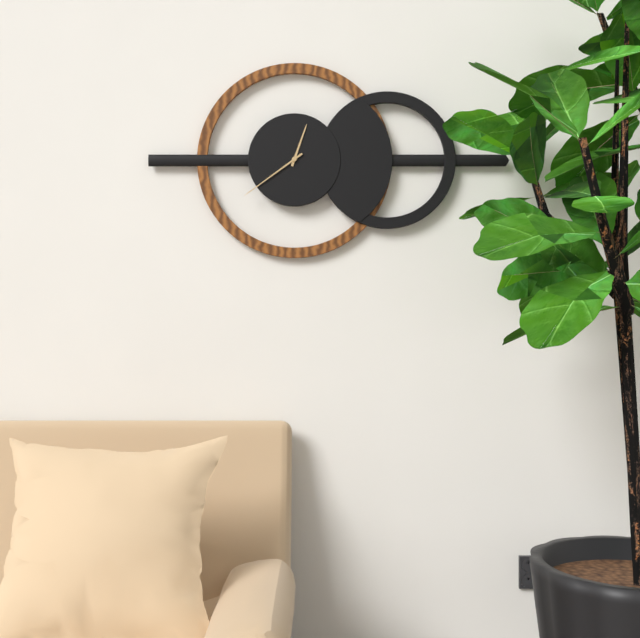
12:39
